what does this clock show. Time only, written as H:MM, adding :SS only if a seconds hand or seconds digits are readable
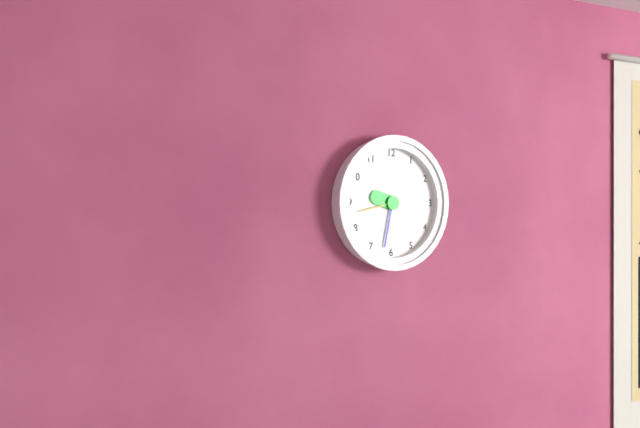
9:32
